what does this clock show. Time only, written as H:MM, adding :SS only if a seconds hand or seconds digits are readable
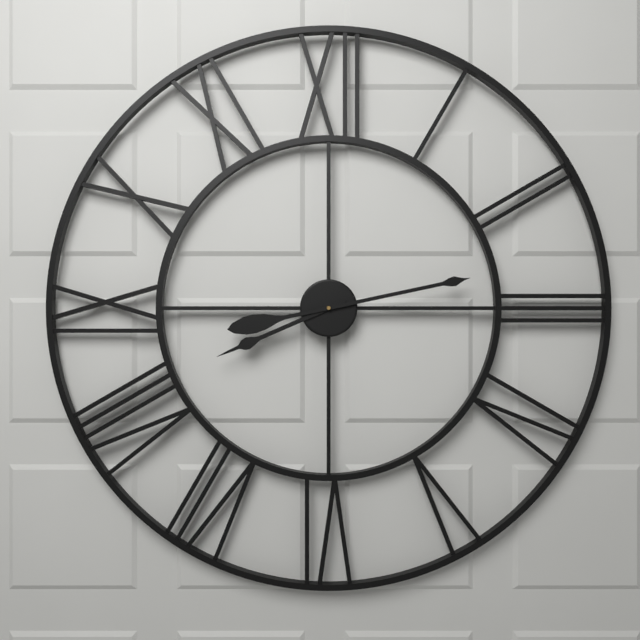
8:13
